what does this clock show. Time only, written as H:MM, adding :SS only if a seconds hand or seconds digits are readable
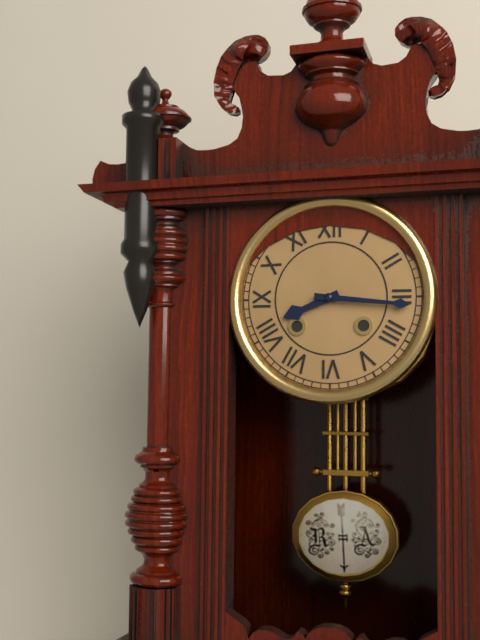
8:16
